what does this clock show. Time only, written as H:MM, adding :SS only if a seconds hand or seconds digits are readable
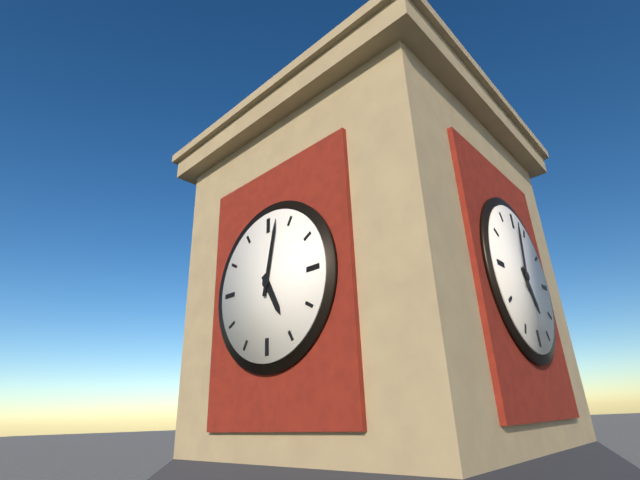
5:02
